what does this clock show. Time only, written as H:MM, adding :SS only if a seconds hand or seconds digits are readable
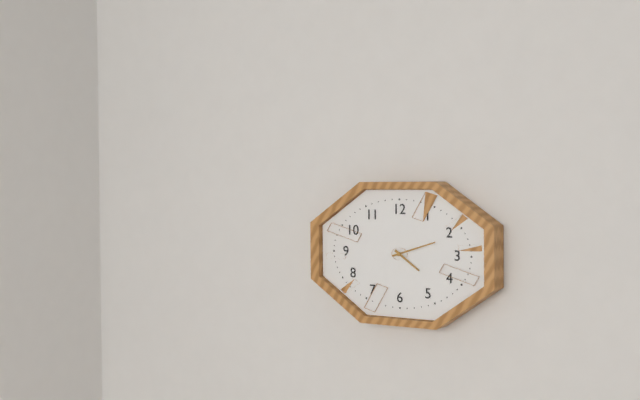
4:12
